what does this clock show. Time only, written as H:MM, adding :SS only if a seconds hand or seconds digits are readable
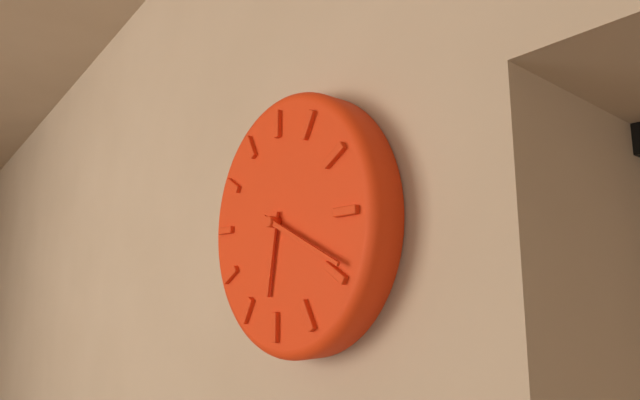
6:19
